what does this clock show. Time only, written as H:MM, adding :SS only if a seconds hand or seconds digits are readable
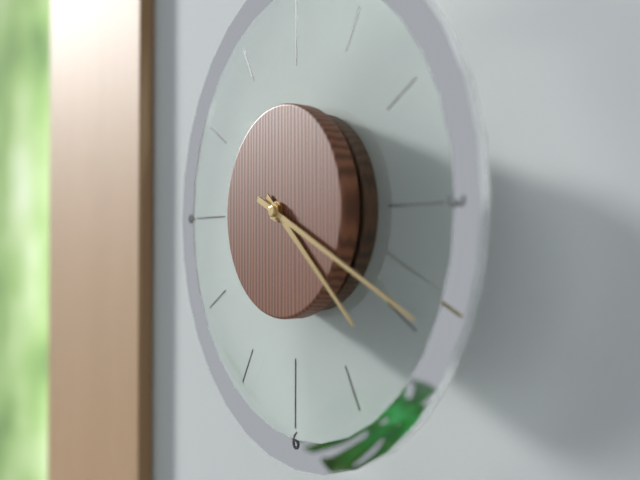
4:19
